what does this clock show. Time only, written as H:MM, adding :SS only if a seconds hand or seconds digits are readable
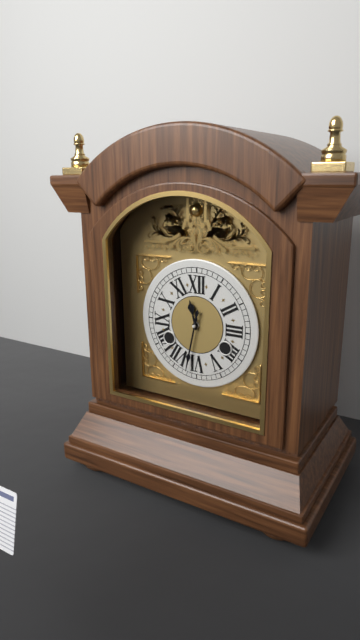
11:32
